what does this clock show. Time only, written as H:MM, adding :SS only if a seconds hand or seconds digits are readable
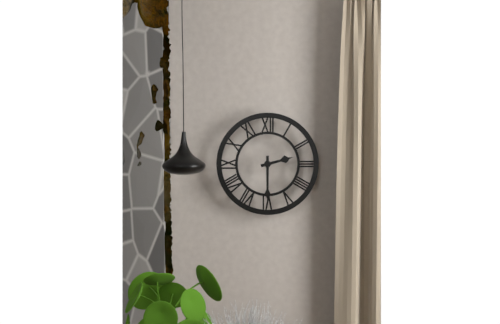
2:30
